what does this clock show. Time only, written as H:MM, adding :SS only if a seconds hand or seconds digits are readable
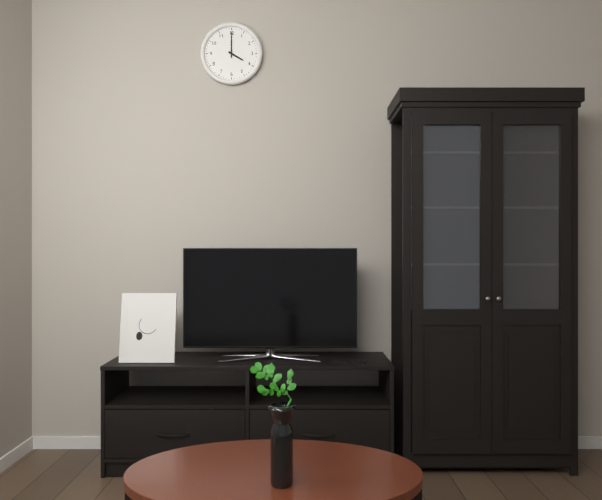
4:00
